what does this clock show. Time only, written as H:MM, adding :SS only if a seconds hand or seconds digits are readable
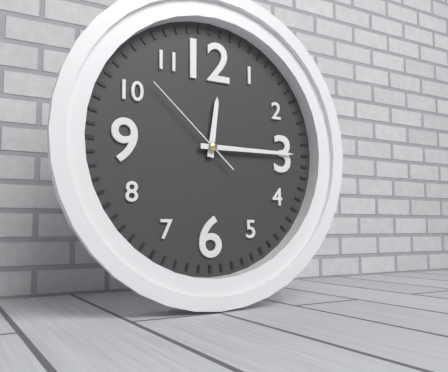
12:15:52
